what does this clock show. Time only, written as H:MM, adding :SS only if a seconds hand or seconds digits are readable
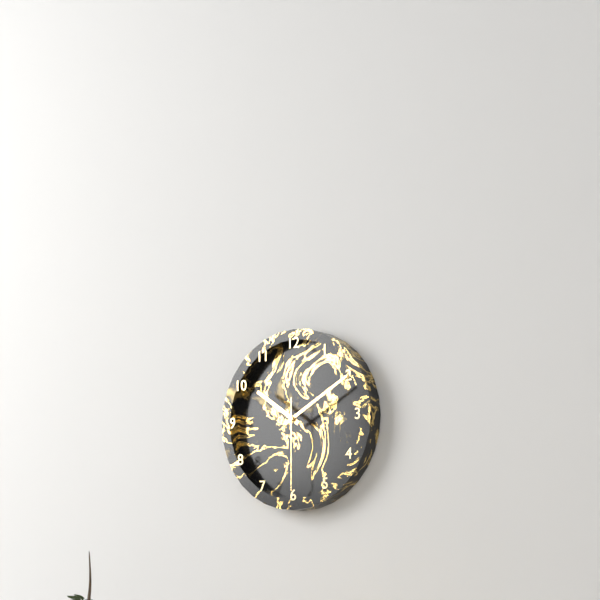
10:10:30
